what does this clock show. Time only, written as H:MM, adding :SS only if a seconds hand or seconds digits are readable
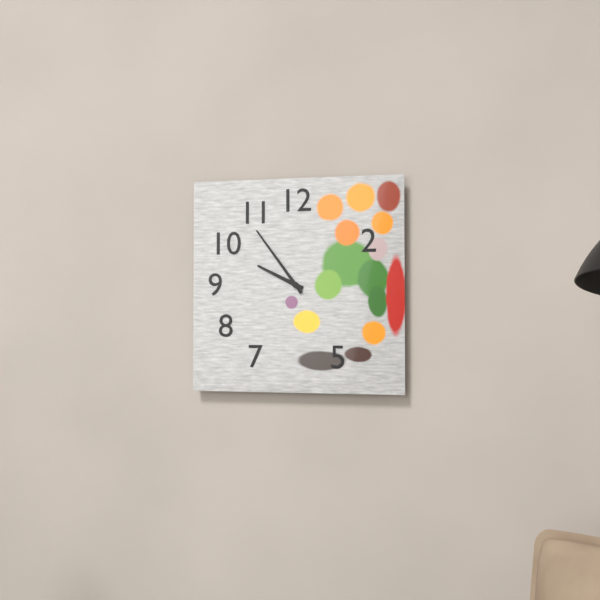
9:54
